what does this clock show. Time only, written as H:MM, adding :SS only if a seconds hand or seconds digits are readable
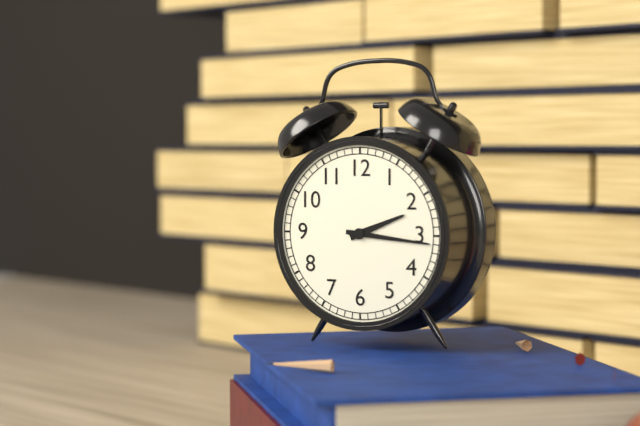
2:16
